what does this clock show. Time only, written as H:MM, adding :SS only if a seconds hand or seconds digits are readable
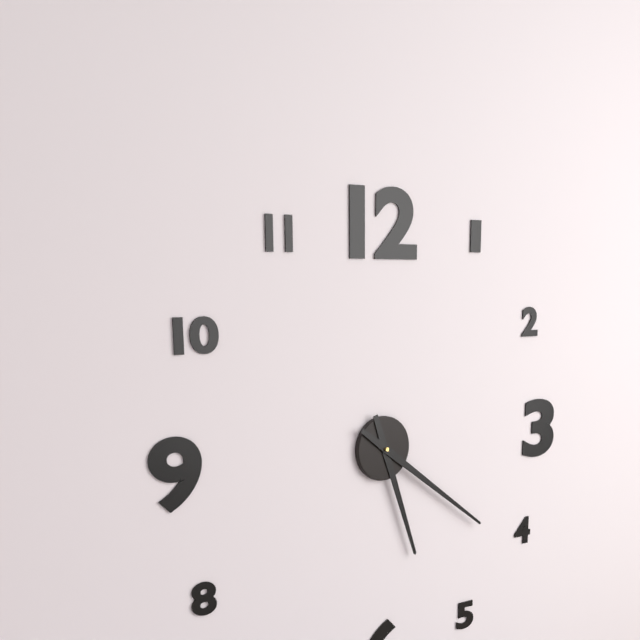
5:21
